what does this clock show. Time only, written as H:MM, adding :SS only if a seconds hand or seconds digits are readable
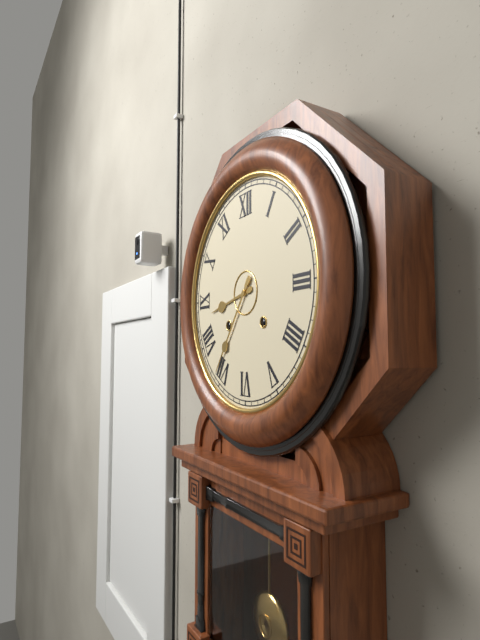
8:36
